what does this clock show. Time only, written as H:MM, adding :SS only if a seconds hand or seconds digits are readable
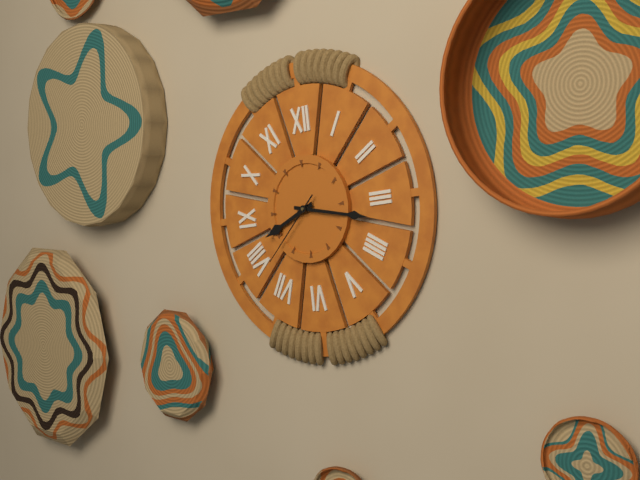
8:17:38
